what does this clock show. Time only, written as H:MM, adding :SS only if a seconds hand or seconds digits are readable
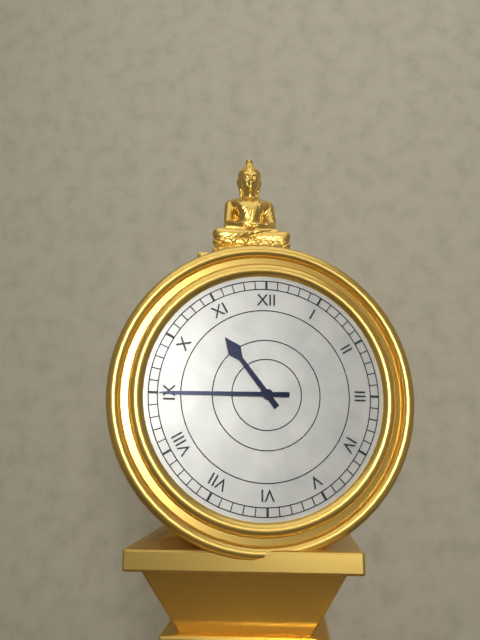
10:45
